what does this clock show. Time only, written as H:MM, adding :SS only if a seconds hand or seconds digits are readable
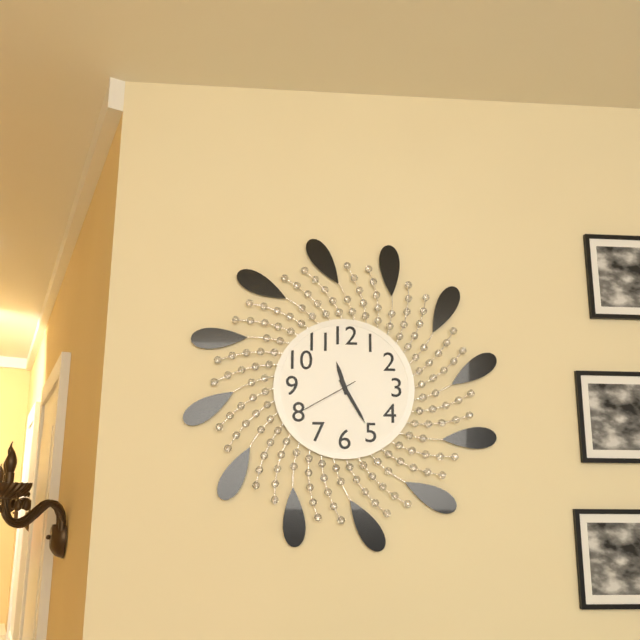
11:25:40
